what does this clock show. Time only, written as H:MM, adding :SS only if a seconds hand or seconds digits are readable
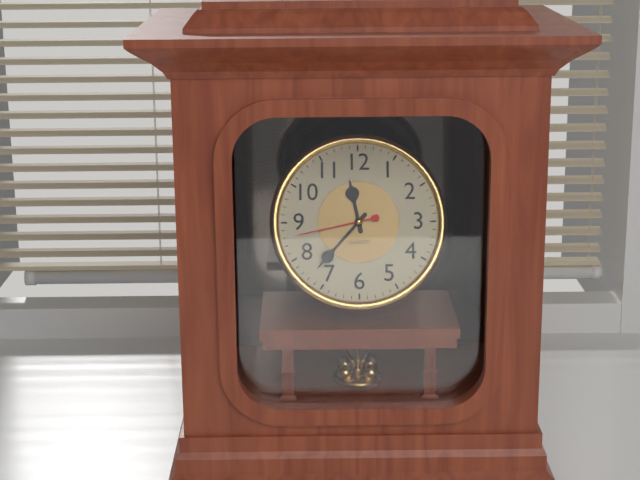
11:37:43
